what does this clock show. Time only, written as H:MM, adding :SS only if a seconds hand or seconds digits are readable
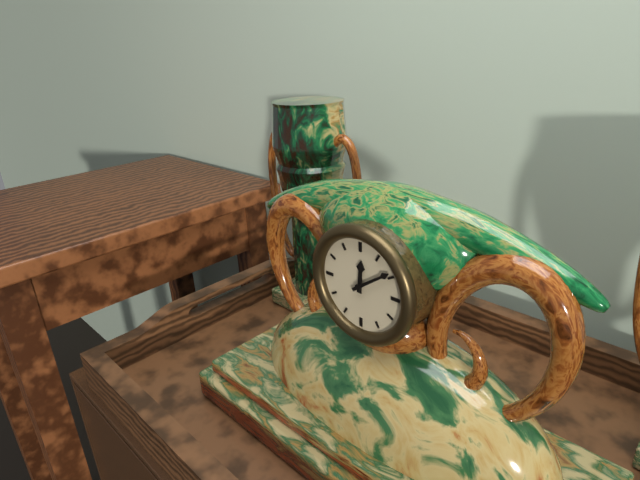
12:09
